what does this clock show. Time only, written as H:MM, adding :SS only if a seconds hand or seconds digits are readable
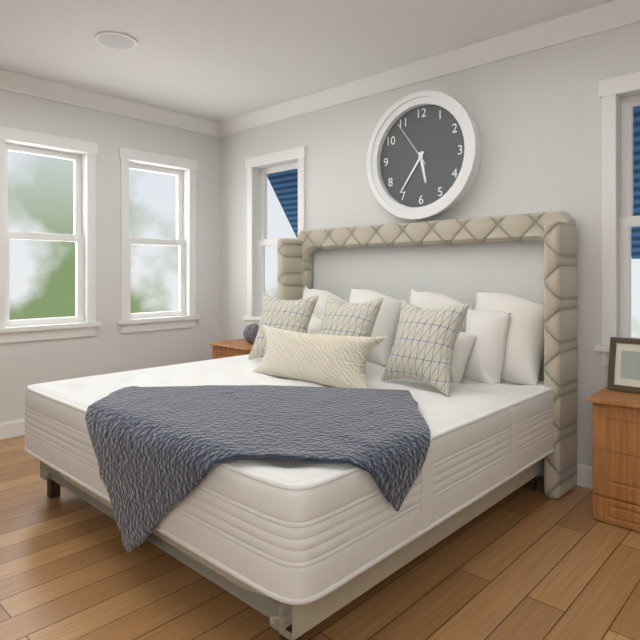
5:36:54
